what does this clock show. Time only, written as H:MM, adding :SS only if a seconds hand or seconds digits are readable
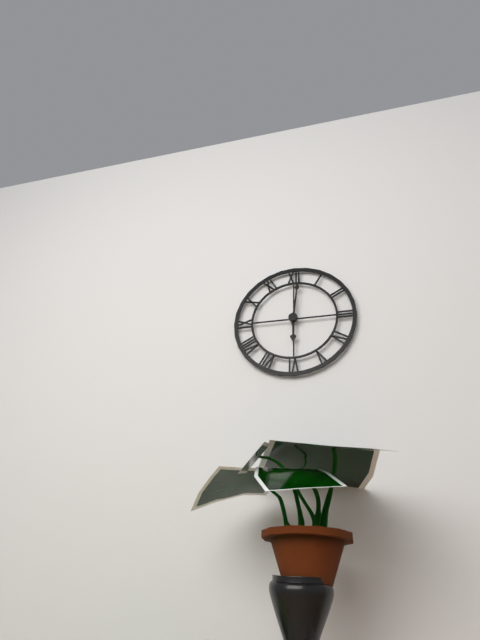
6:01
